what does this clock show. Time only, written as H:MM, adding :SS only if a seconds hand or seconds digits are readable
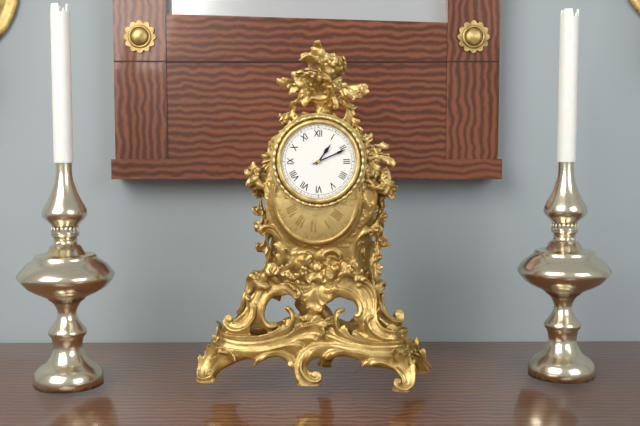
1:11
